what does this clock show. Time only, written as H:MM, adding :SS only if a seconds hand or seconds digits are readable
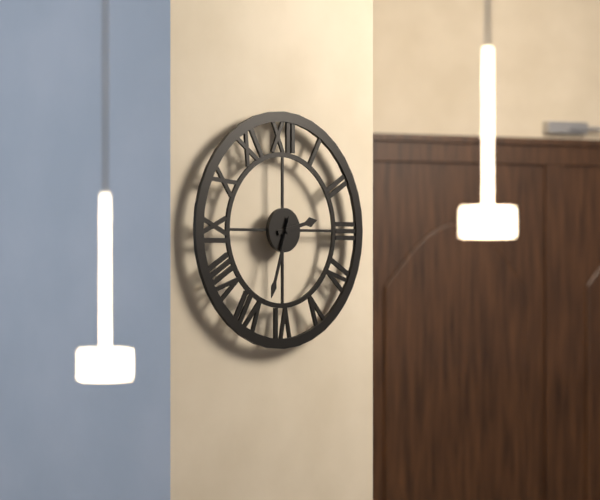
2:33
